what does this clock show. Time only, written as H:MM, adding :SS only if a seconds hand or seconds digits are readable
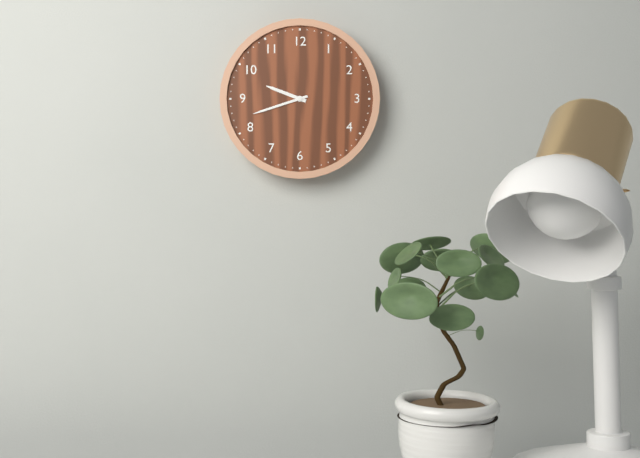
9:42
